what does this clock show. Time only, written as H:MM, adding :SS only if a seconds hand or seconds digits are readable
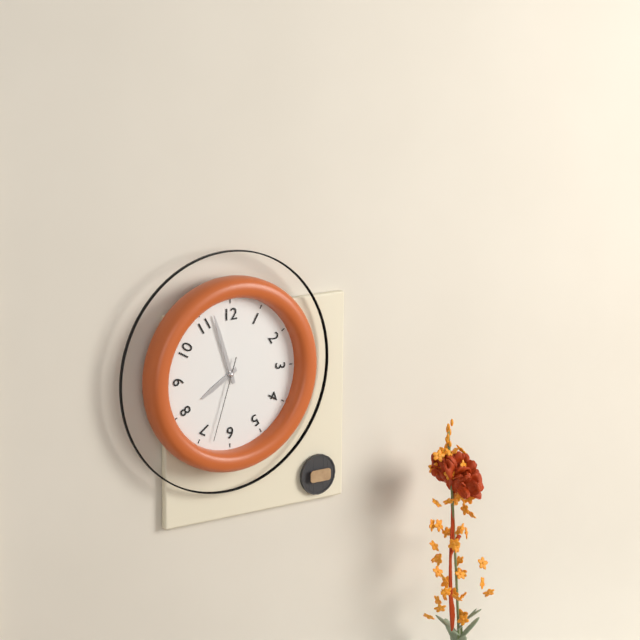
7:57:33
